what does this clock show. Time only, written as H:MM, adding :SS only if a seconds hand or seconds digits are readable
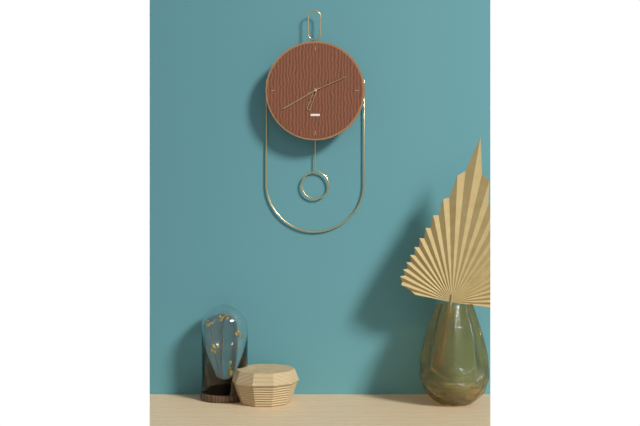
6:40
